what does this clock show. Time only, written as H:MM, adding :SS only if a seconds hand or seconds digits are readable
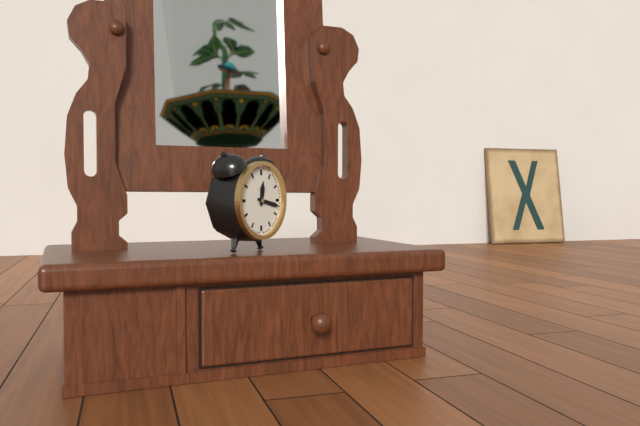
12:17
